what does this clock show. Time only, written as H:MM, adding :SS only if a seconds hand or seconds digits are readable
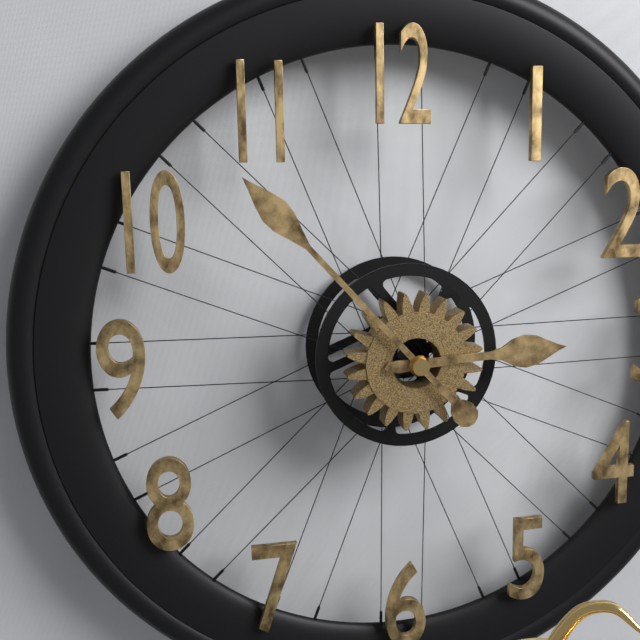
2:53
